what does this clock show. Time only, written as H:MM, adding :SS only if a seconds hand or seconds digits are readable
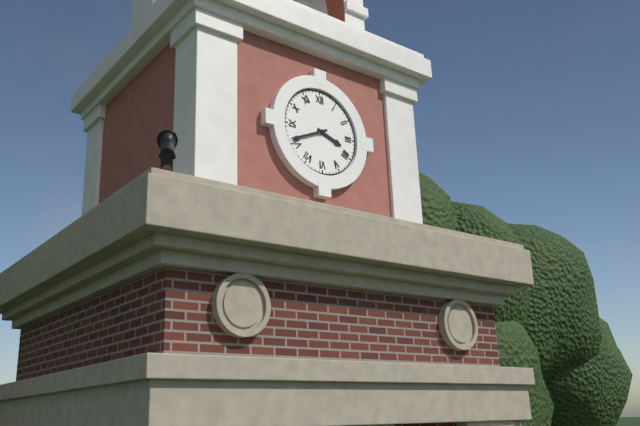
3:41
